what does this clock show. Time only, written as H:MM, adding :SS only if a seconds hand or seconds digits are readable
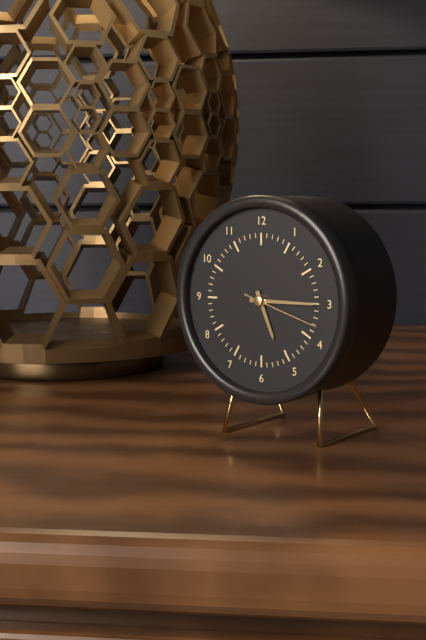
5:15:18
